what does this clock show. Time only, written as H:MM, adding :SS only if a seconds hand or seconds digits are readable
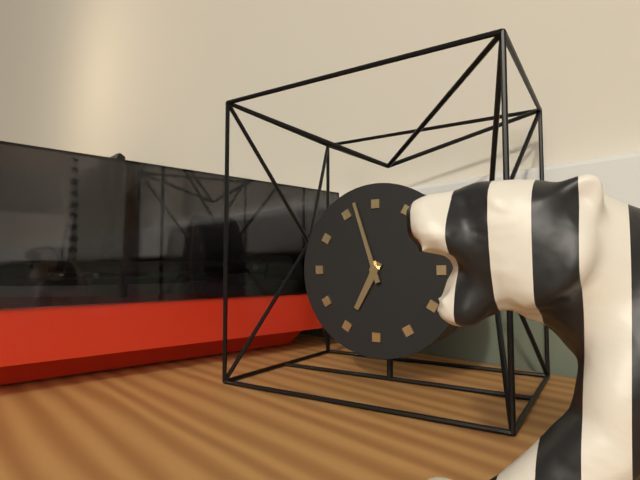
6:57
